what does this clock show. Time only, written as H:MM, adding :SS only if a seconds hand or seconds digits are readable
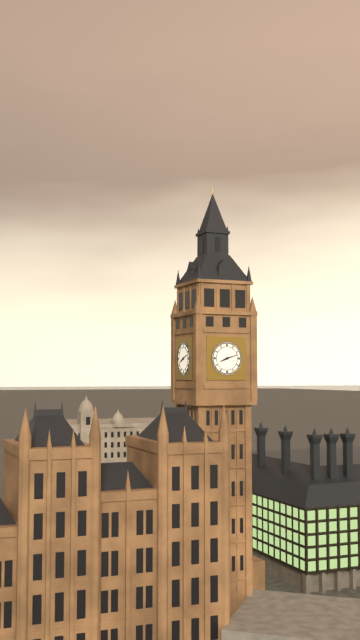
8:12
